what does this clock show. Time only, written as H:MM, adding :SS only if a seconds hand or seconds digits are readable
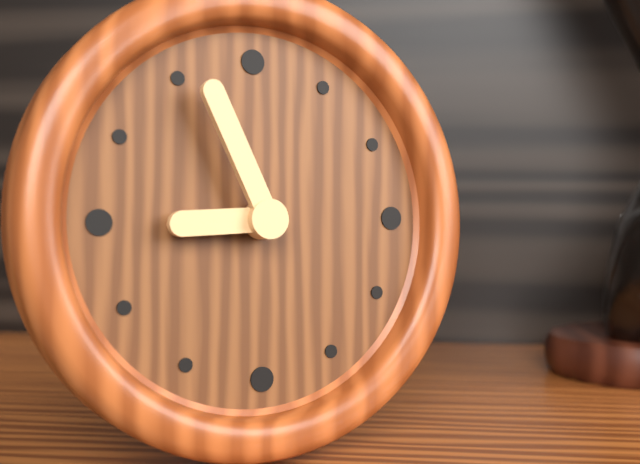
8:56
